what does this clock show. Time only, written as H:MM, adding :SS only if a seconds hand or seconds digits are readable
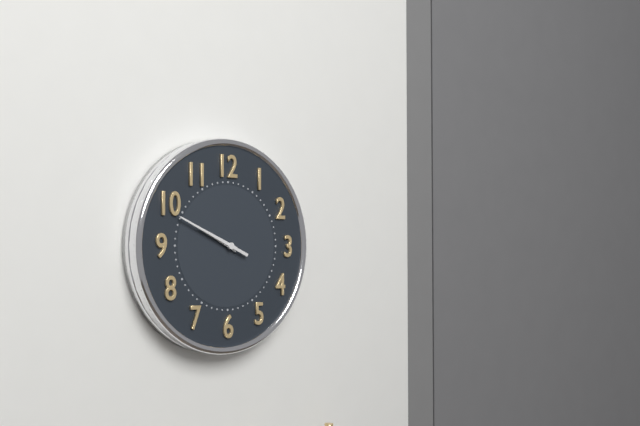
9:49
